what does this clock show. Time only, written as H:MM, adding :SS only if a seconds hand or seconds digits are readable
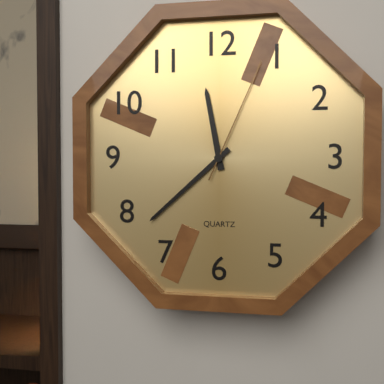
11:38:04
